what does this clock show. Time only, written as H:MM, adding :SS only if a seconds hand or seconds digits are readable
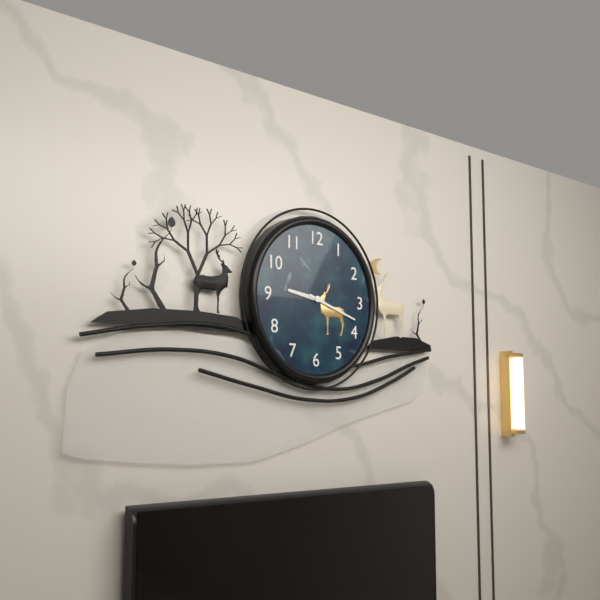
9:18
